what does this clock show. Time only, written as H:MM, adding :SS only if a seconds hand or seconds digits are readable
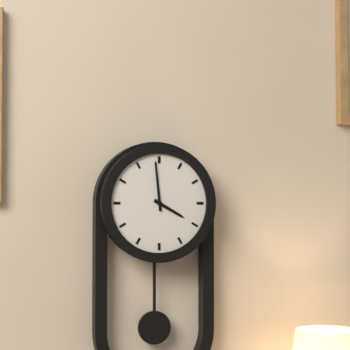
3:59
